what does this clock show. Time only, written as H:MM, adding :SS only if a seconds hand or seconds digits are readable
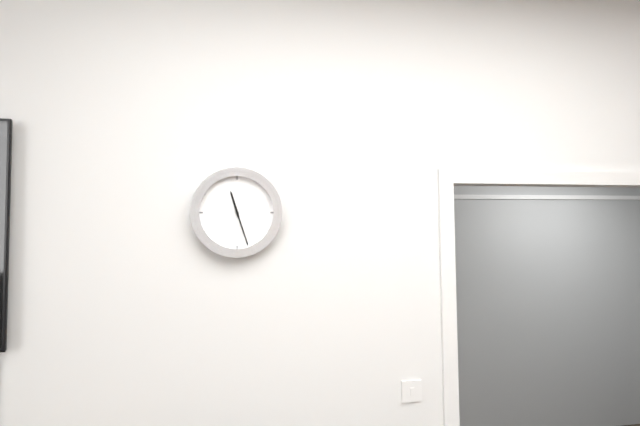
11:27
